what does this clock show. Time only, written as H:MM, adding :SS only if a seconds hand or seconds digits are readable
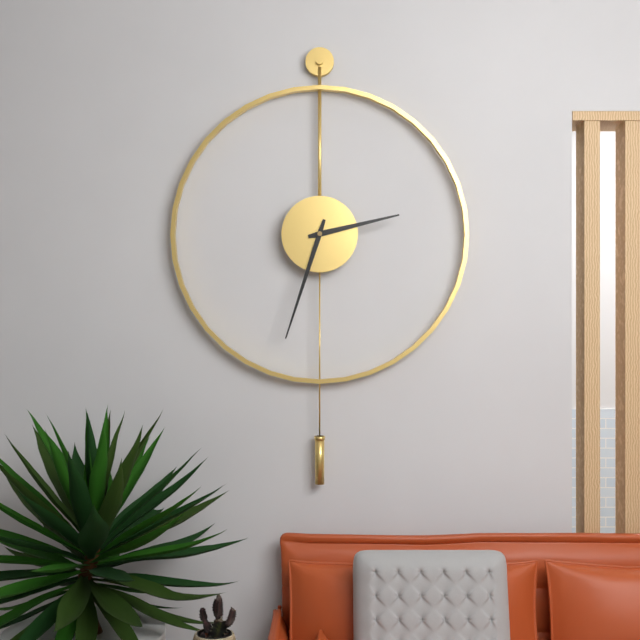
2:33
